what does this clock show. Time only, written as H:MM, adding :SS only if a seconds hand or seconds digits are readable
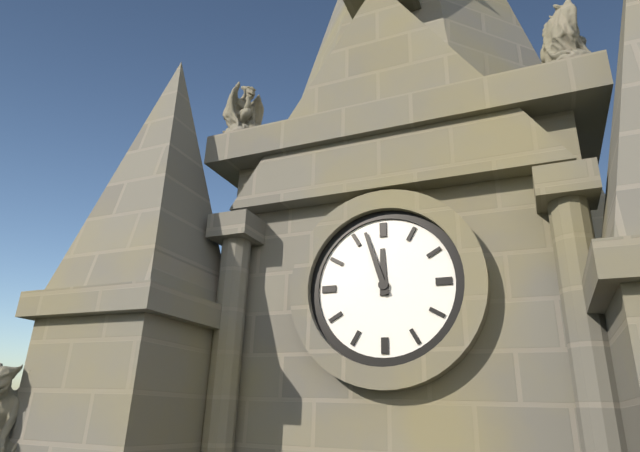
11:57
